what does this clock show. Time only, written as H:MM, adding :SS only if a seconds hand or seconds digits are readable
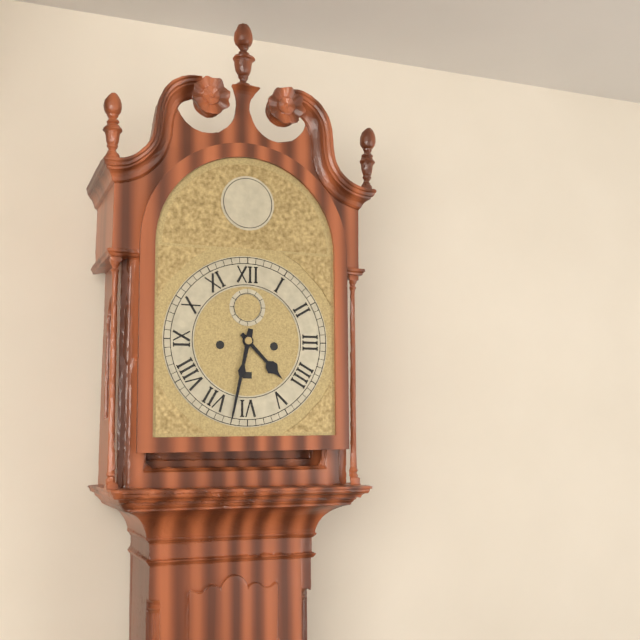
4:32
